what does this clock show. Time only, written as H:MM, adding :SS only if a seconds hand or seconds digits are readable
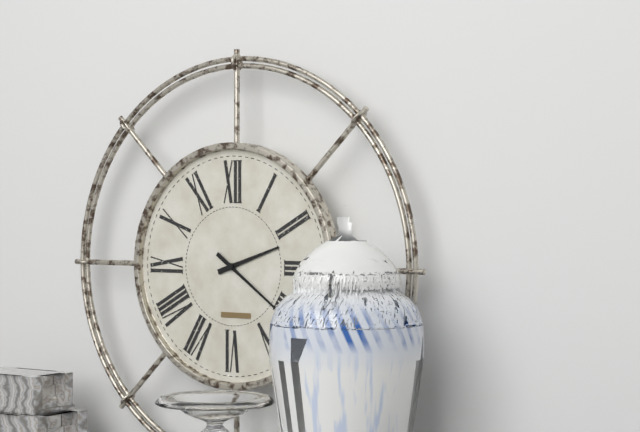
2:21
